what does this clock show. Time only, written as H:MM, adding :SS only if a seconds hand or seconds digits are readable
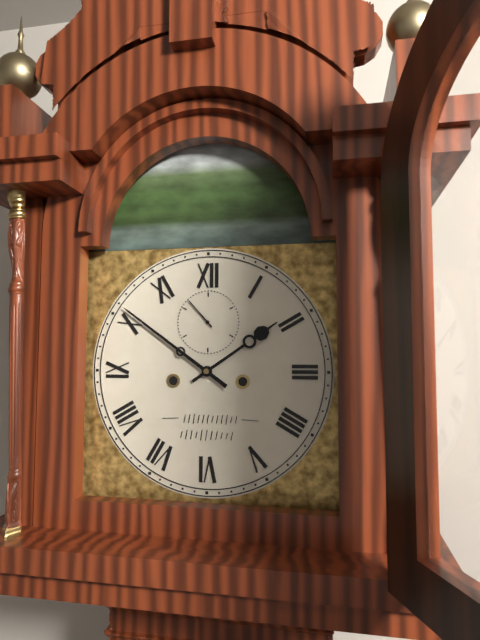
1:51
